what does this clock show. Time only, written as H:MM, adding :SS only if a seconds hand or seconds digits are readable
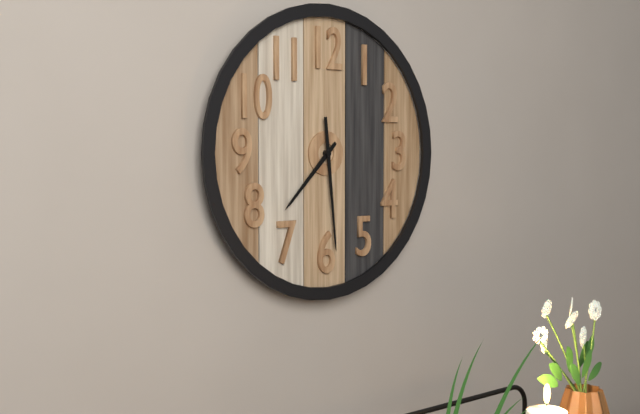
7:29
